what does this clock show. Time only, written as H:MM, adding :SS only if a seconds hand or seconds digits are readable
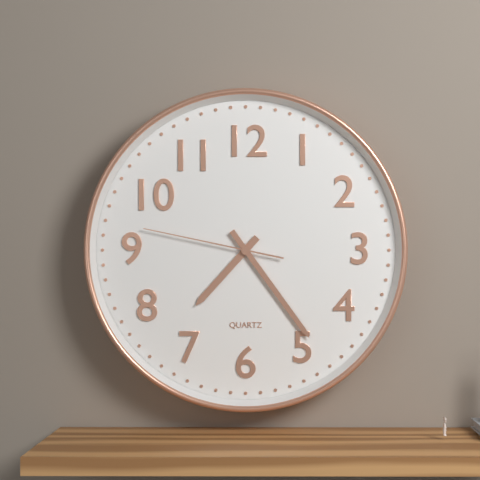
7:24:47
